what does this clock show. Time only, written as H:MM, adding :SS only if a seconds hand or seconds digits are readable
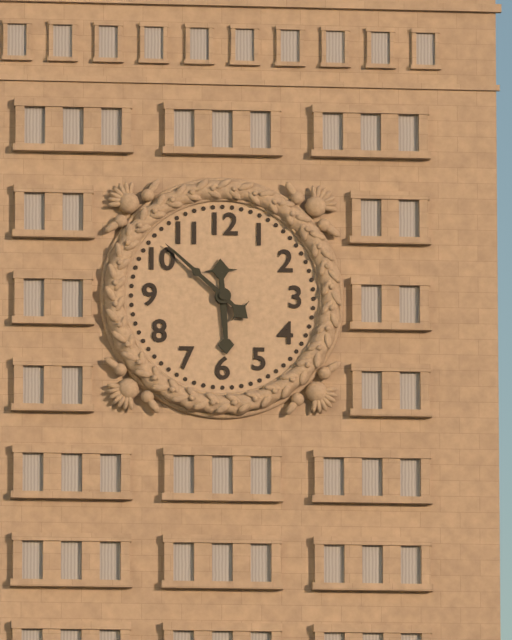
5:52
